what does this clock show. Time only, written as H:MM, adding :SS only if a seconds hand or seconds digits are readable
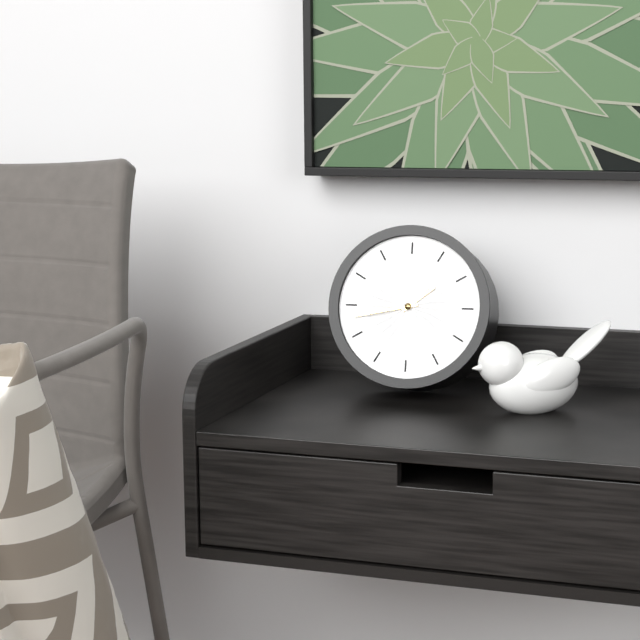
1:43
